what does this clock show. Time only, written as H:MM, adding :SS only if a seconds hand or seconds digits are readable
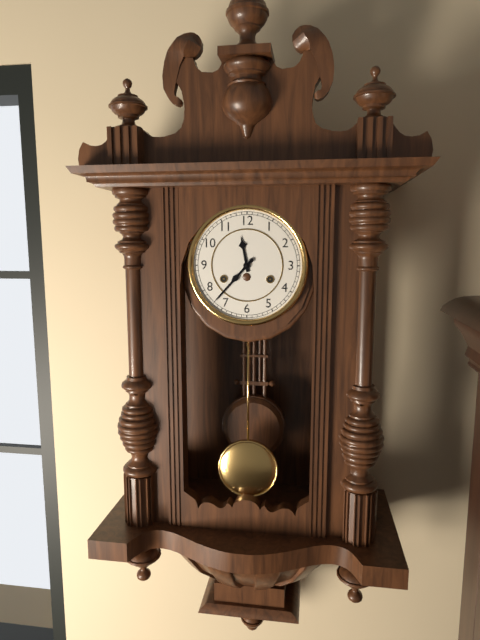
11:37
